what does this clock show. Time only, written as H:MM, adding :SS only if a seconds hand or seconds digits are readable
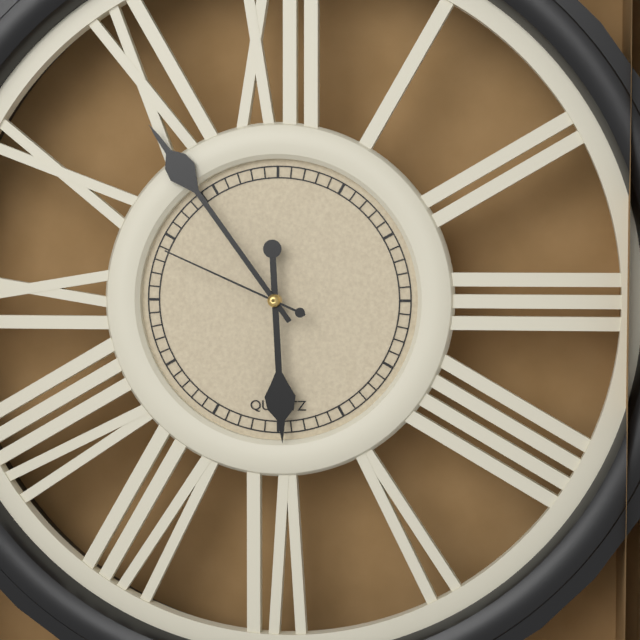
5:54:49
